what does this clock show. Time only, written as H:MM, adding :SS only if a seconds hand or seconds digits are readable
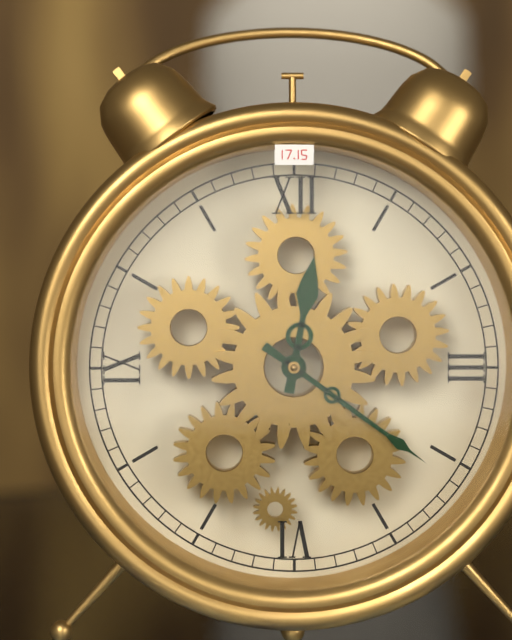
12:21
